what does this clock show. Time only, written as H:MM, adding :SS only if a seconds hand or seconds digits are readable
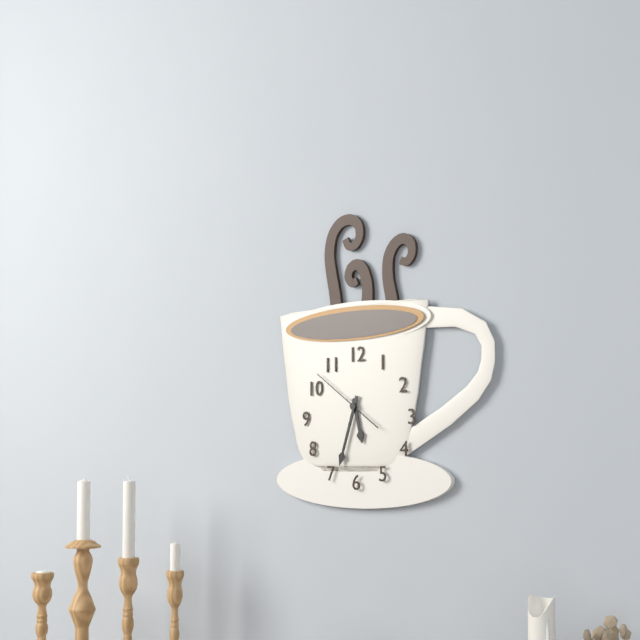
5:33:51
